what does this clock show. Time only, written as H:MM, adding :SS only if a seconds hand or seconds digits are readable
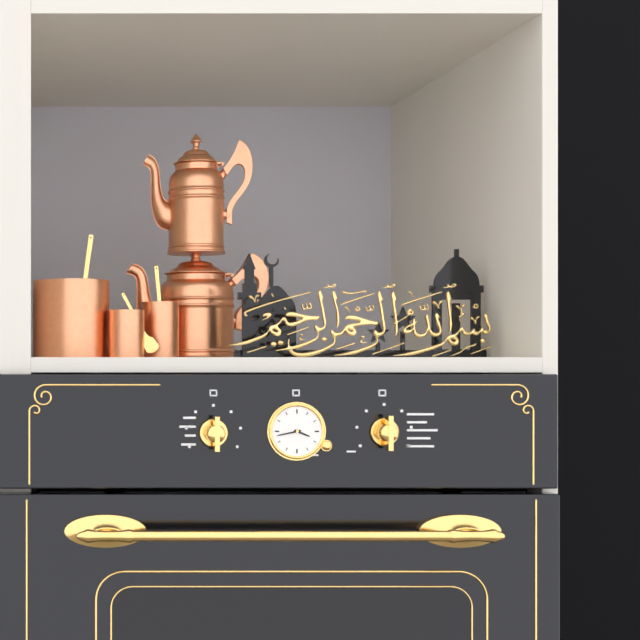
3:43
